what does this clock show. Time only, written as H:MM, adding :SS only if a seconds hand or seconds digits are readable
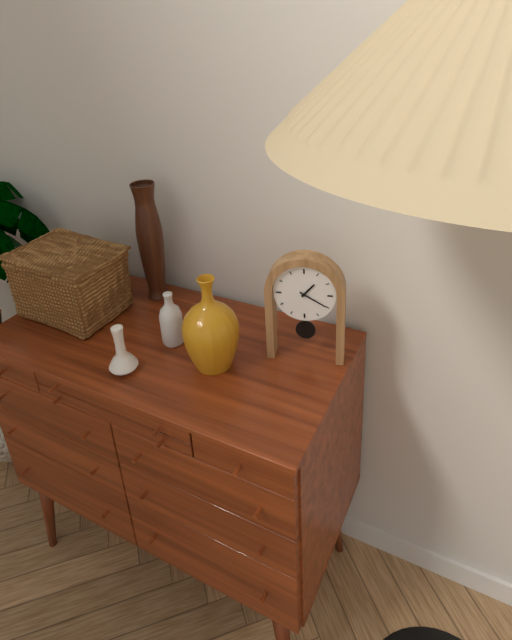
1:20
